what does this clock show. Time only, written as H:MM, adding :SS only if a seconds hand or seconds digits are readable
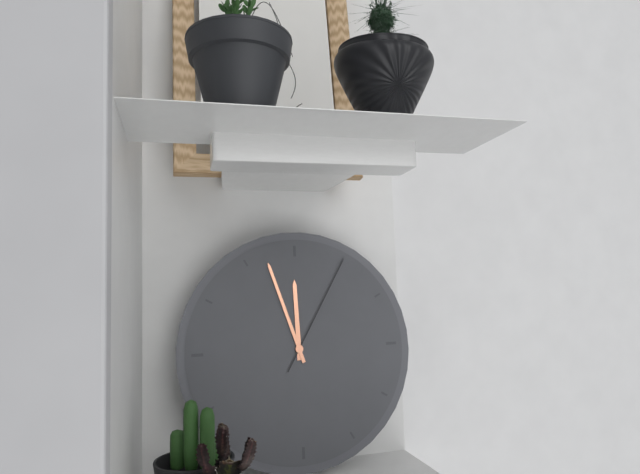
11:57:05
